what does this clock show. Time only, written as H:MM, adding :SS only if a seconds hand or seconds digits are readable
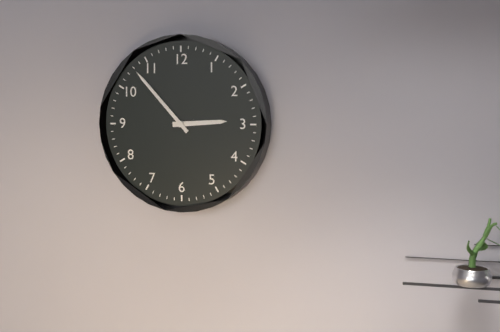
2:53
